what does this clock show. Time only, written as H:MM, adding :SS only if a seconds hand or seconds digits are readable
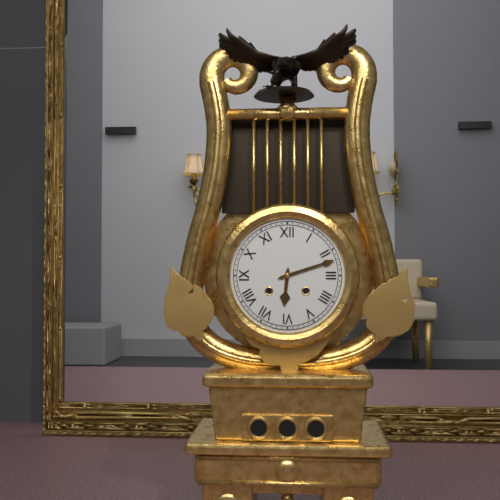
6:12
